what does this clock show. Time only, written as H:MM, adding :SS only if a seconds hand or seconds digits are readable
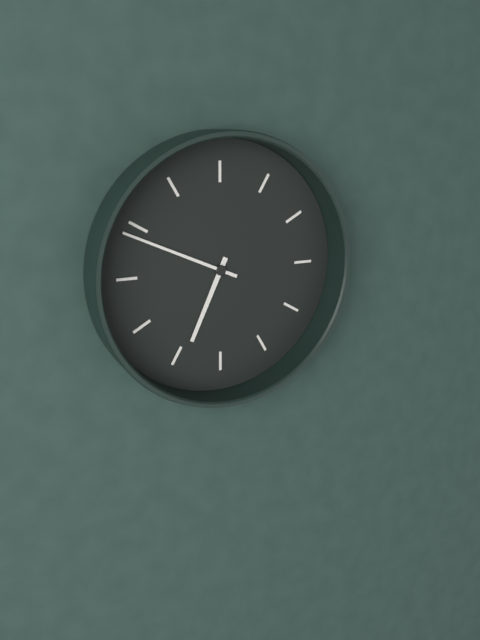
6:49
